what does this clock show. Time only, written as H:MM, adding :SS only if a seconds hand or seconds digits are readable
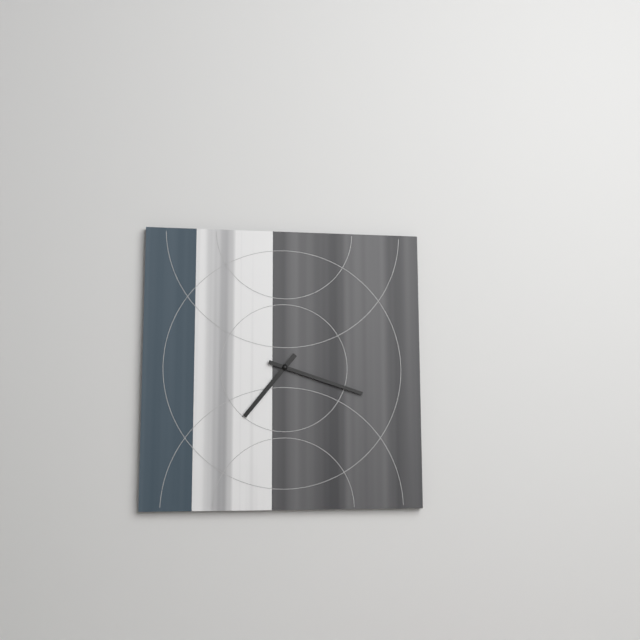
7:18
